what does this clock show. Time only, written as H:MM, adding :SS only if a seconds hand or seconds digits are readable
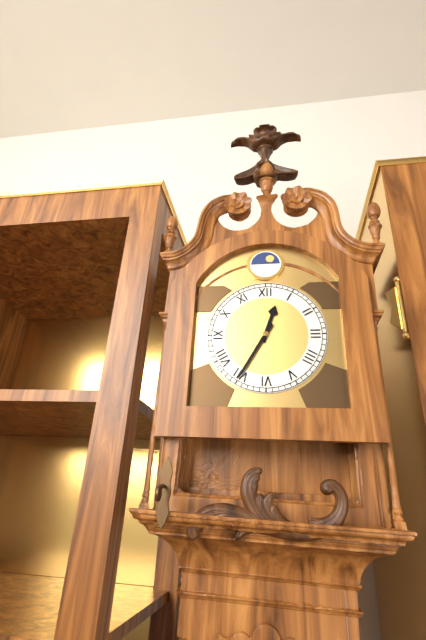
12:35
